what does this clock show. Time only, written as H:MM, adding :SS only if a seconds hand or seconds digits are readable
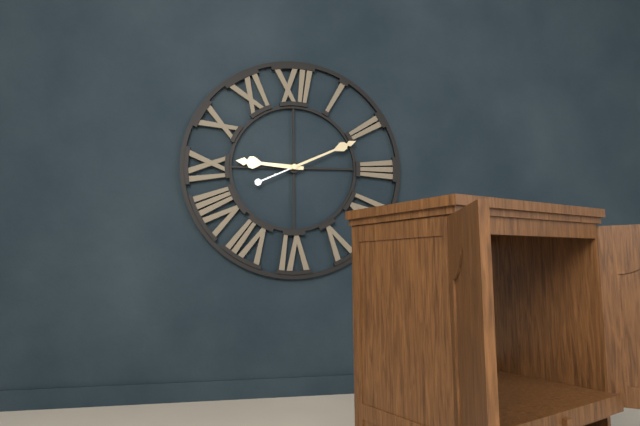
9:11
